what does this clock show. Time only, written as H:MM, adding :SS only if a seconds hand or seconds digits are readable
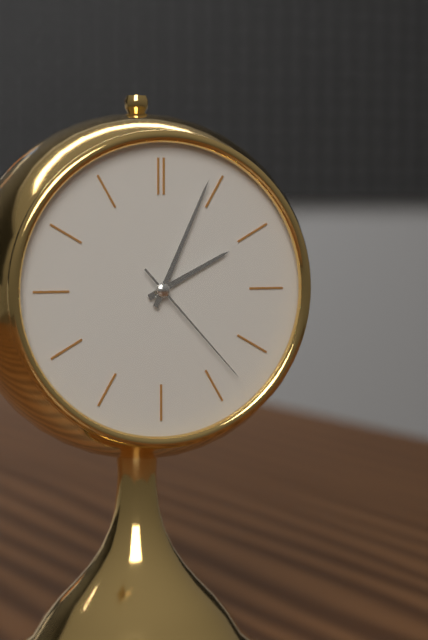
2:04:23
